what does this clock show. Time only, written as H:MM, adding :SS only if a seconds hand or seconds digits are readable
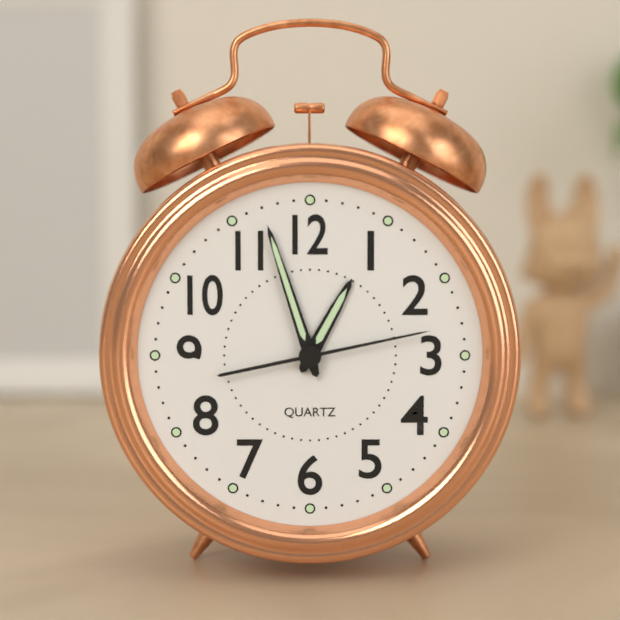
12:57:13
